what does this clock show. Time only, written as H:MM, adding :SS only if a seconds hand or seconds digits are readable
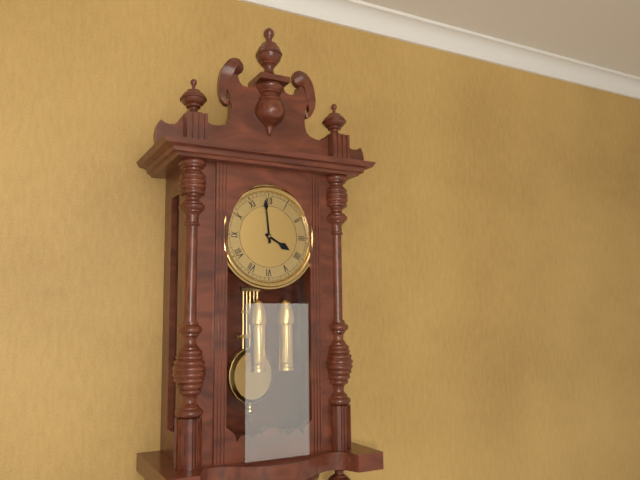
3:59
